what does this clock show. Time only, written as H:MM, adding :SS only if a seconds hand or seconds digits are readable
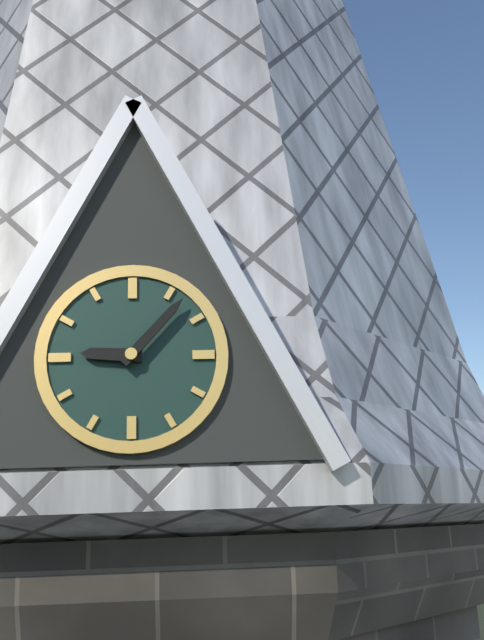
9:07
